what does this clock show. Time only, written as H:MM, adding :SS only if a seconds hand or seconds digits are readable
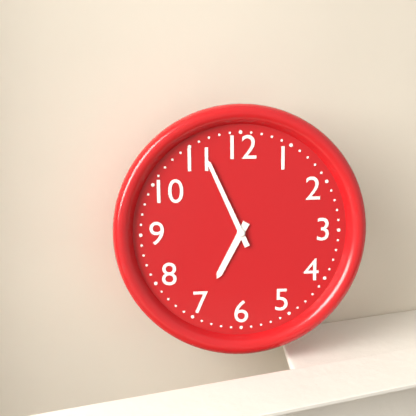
6:56
